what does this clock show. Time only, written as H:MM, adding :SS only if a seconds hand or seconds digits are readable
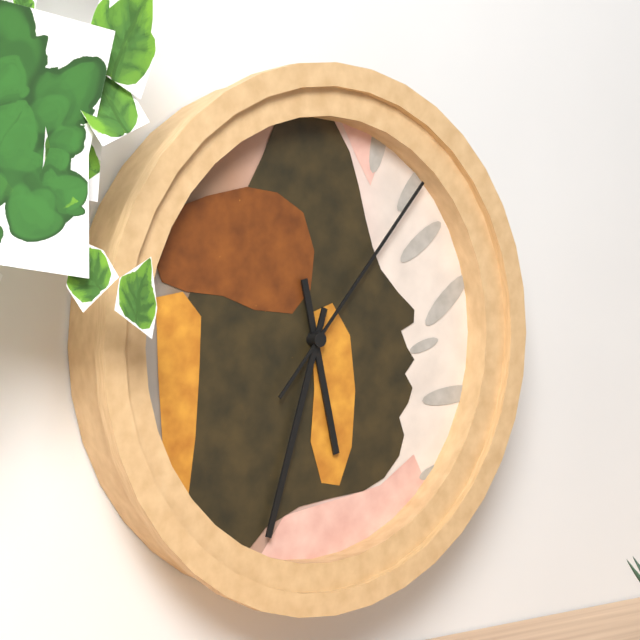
5:33:07
